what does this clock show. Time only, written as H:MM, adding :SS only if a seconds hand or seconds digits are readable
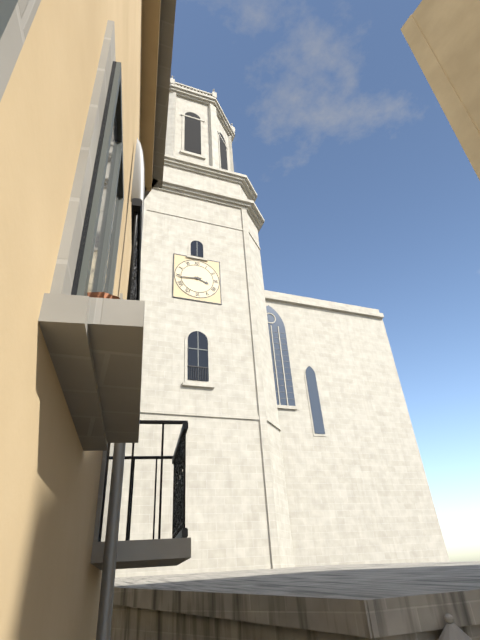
3:44
